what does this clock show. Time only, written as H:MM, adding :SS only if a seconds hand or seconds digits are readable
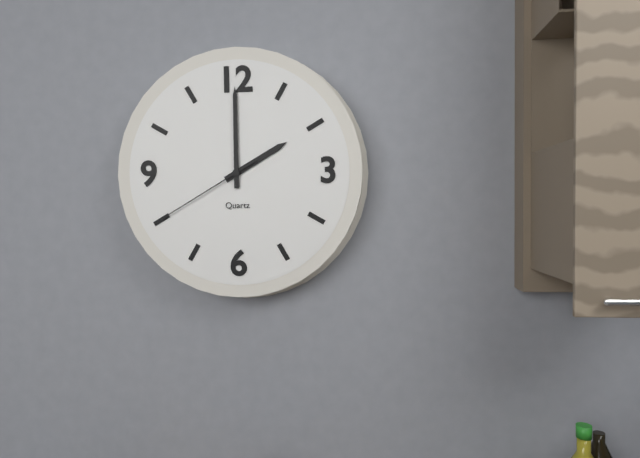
2:00:40
